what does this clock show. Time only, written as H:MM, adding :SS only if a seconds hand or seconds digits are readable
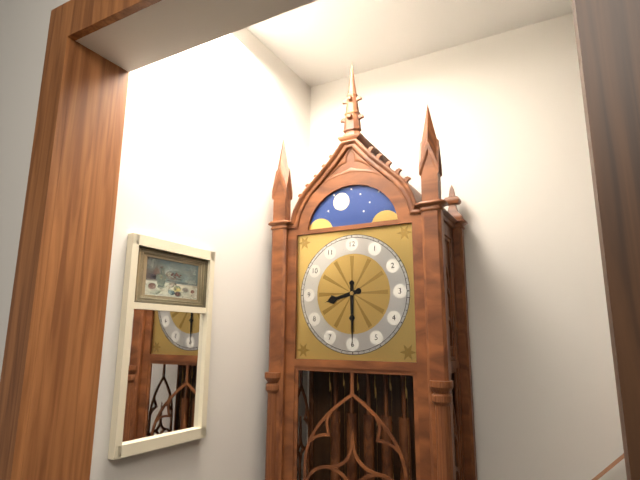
8:30
